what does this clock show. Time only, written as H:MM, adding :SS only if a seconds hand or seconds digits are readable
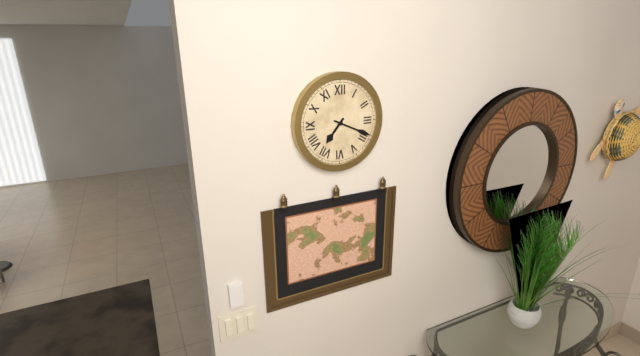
7:19
